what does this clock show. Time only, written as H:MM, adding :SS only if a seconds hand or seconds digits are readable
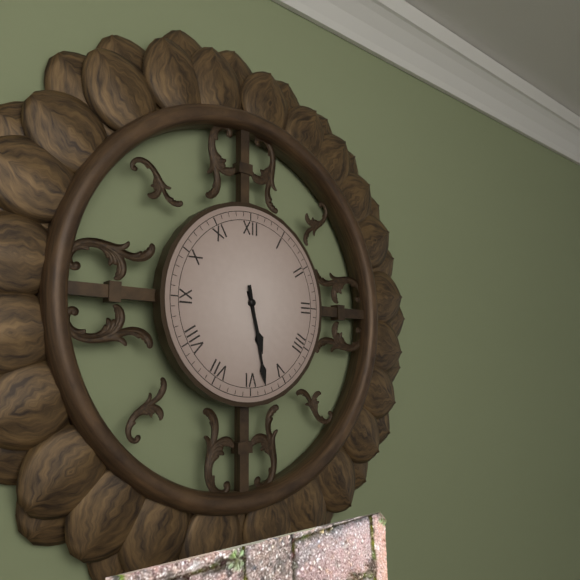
5:28
